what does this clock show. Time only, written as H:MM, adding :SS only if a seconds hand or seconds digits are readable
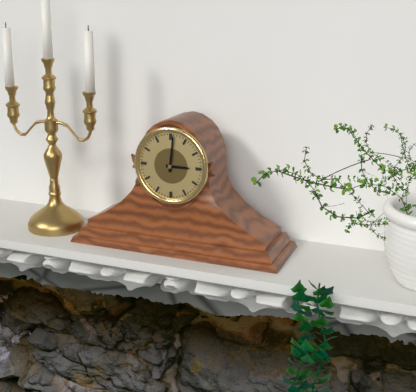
3:01
